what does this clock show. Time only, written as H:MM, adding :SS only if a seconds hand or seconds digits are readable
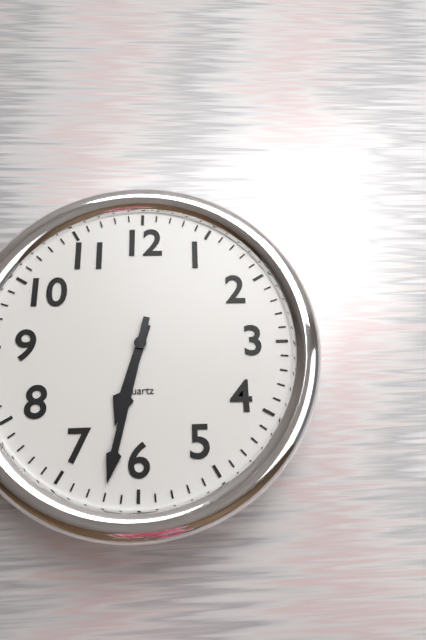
6:32
